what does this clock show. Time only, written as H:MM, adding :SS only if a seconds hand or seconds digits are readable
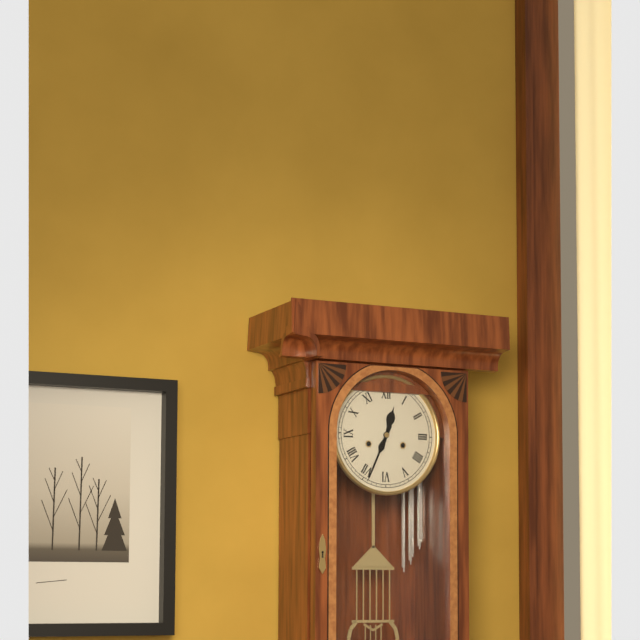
12:34
